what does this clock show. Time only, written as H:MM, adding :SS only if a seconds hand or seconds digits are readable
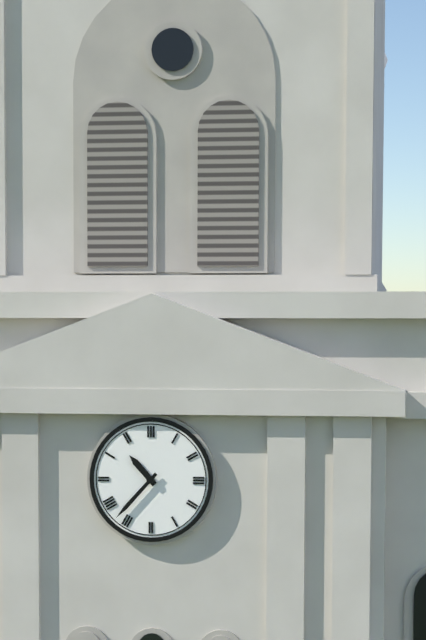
10:37
